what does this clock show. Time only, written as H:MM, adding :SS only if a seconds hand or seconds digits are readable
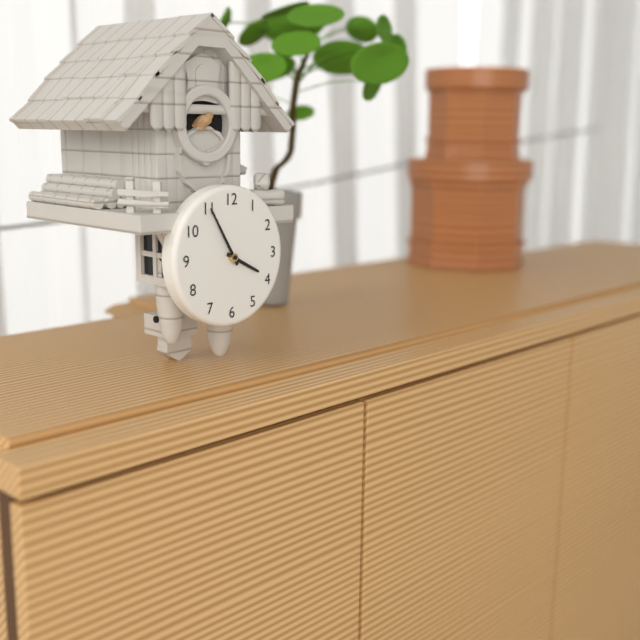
3:55
